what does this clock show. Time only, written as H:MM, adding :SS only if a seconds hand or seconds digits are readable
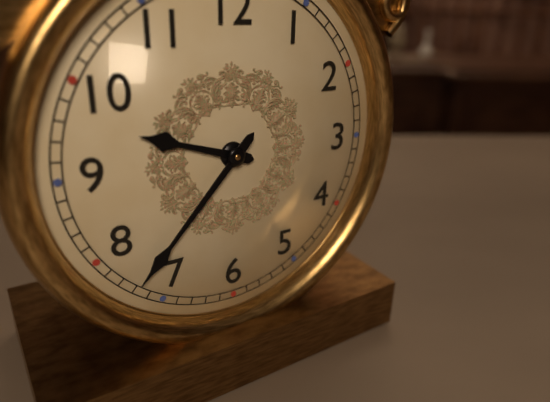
9:37
